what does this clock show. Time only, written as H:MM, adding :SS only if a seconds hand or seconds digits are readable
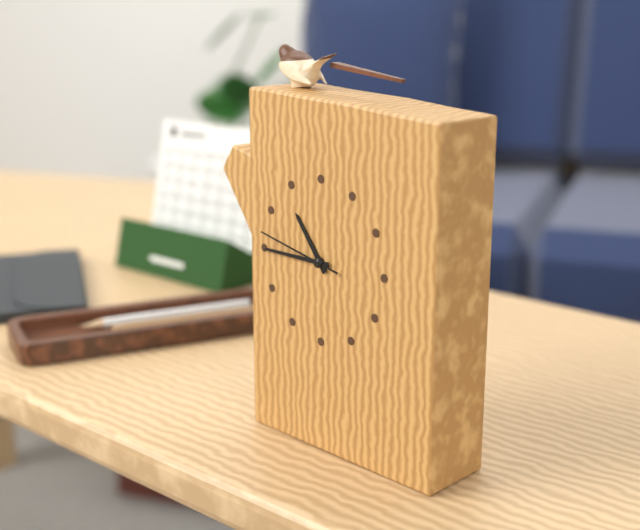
10:45:47
